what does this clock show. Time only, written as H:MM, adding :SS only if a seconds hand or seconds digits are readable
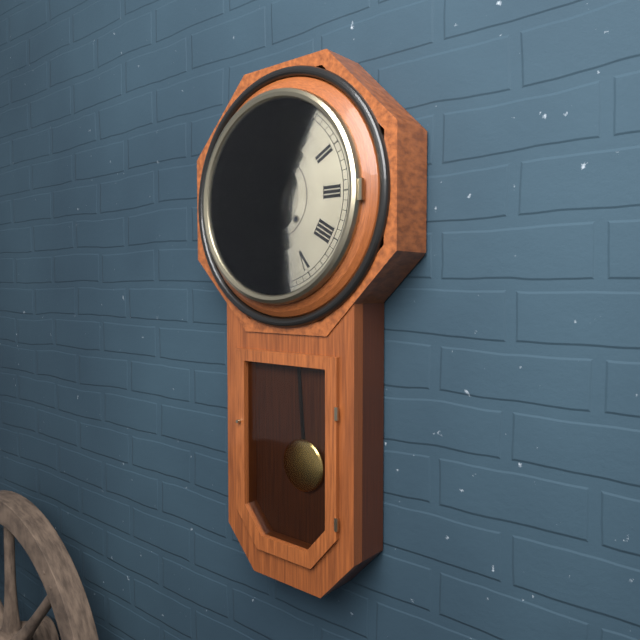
12:31
